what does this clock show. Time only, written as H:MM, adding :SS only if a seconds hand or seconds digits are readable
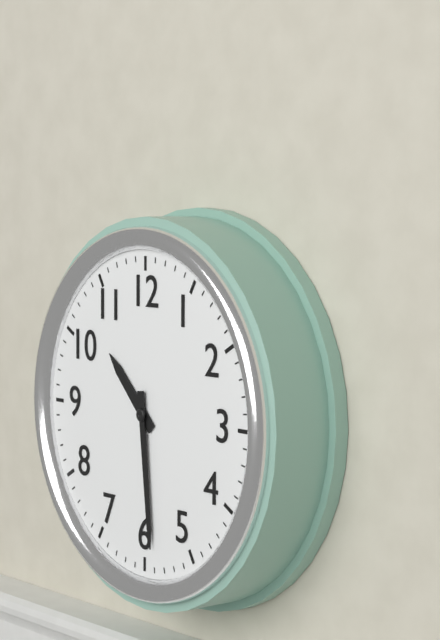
10:29
